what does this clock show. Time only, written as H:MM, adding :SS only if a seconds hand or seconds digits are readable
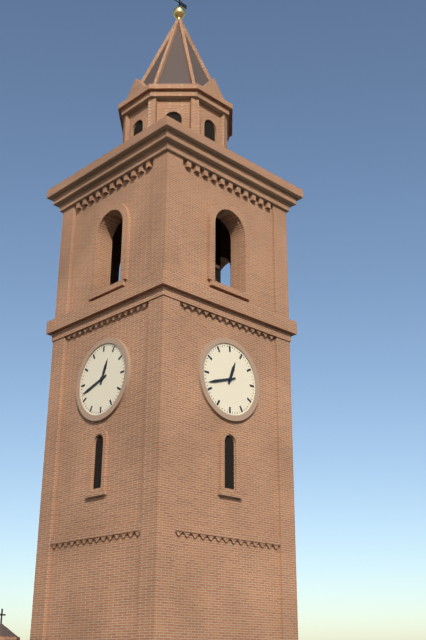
12:42
